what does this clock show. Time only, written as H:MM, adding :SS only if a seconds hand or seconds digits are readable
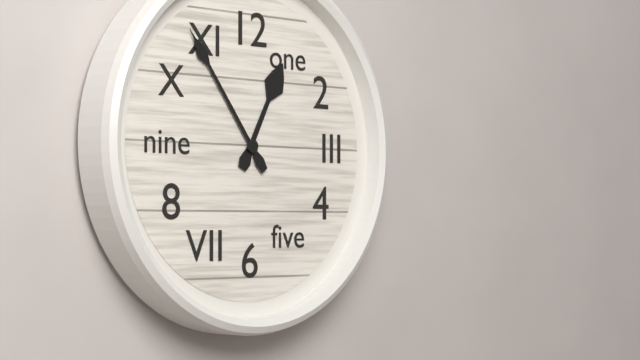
12:54
